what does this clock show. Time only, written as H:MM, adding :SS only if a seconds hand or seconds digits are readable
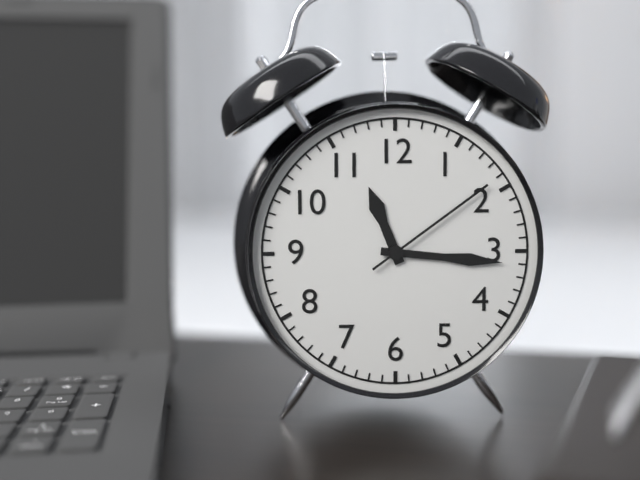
11:16:09
